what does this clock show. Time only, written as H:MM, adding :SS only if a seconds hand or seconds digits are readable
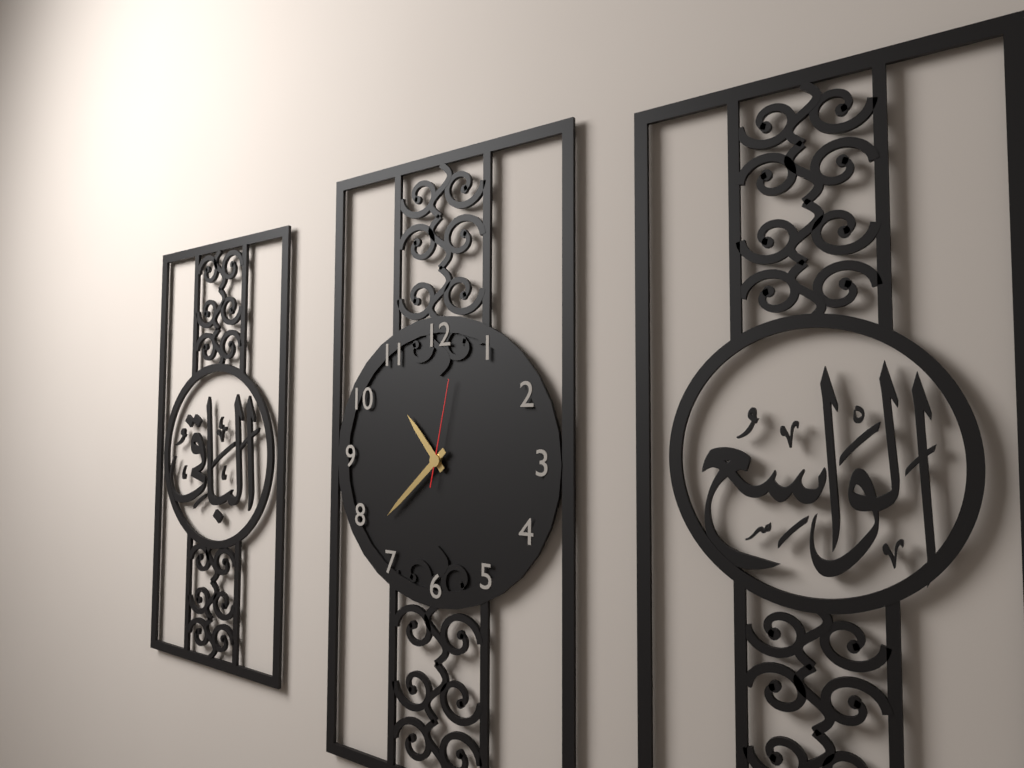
10:38:02
